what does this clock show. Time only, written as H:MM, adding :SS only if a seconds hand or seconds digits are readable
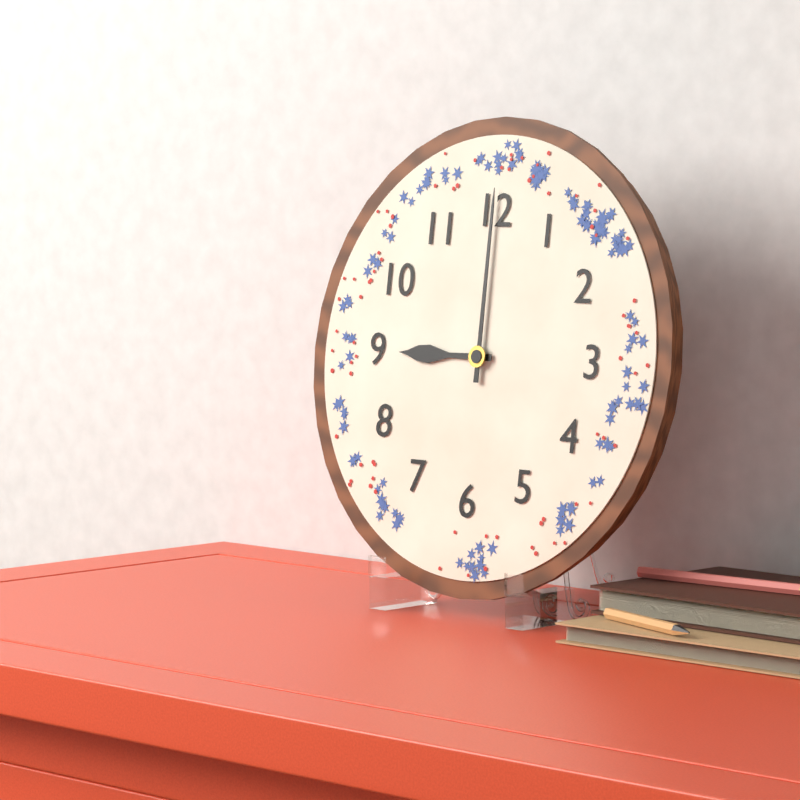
9:00
